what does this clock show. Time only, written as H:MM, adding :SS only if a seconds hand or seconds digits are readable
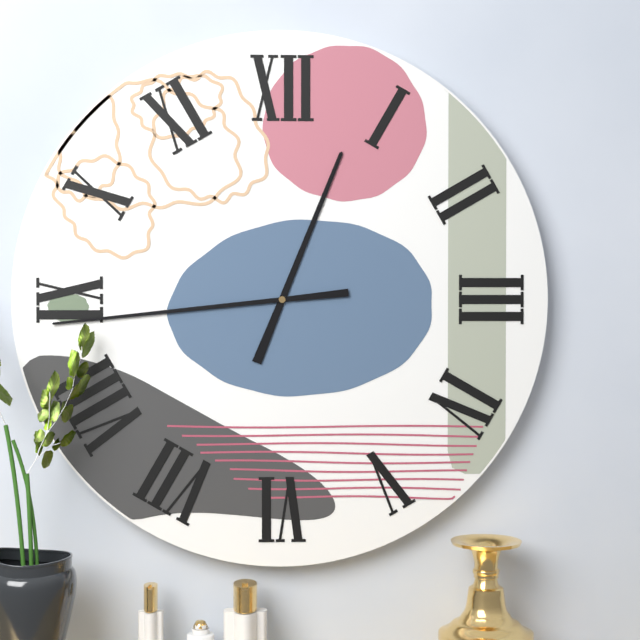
12:44
